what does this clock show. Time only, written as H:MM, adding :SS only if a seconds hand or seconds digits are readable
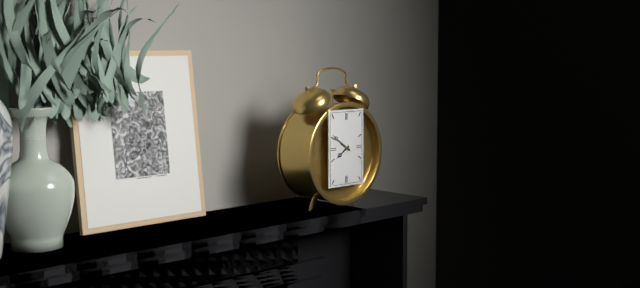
7:51
